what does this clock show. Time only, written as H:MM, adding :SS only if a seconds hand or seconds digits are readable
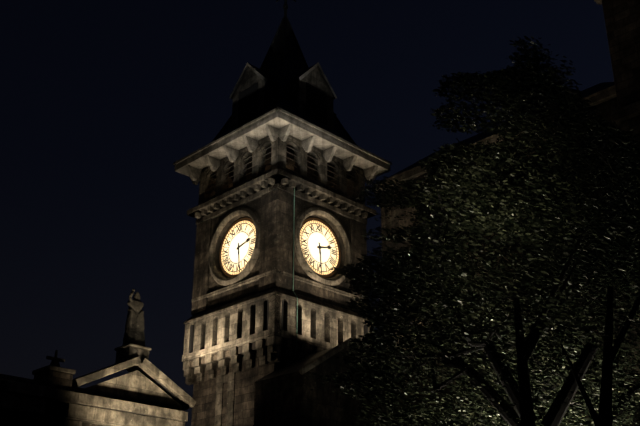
2:29
